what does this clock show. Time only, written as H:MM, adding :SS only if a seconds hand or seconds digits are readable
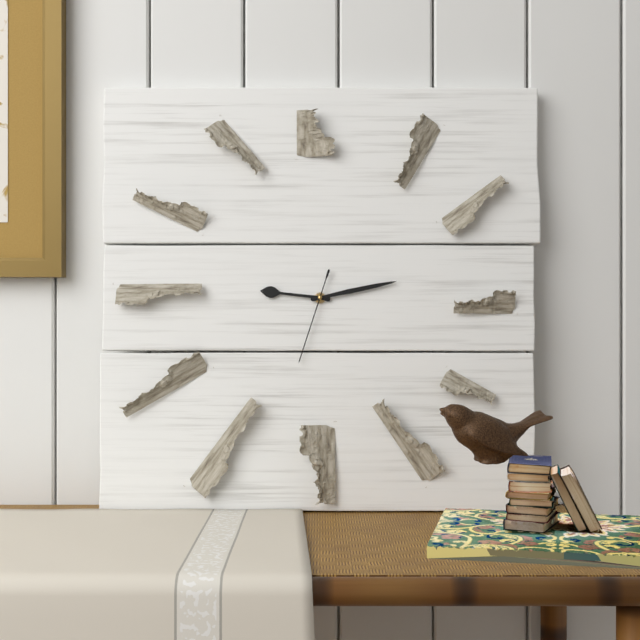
9:13:33
